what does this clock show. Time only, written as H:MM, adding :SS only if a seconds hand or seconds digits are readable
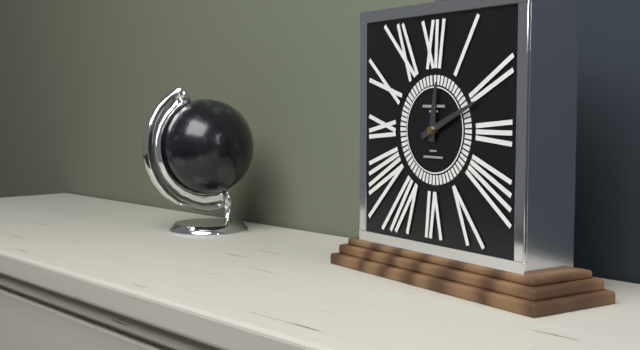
12:11
